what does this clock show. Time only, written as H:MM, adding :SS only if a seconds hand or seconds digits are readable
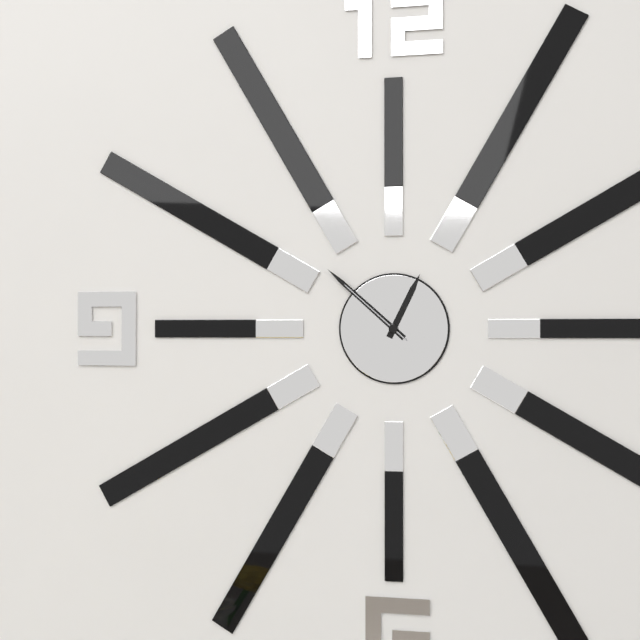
12:52:52
